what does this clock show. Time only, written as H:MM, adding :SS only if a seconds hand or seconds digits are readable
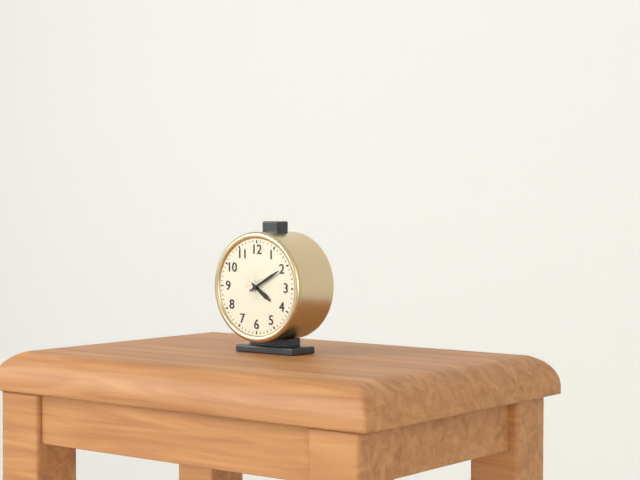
4:10
